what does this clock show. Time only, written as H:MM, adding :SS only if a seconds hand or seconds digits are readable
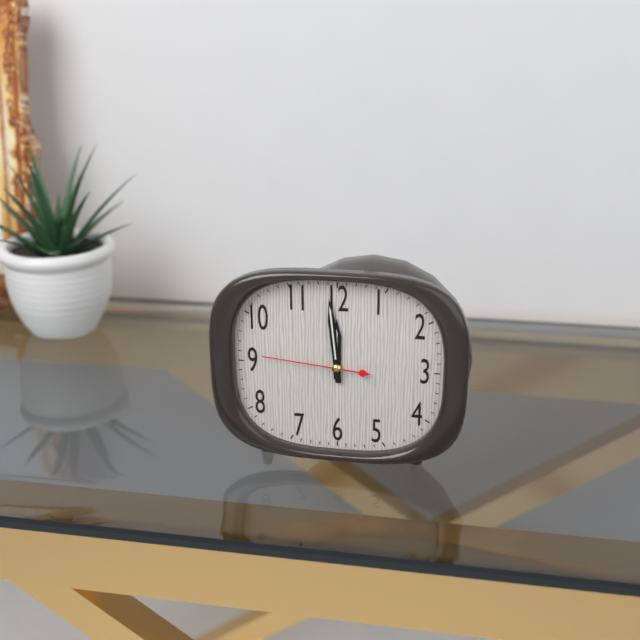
11:59:46
